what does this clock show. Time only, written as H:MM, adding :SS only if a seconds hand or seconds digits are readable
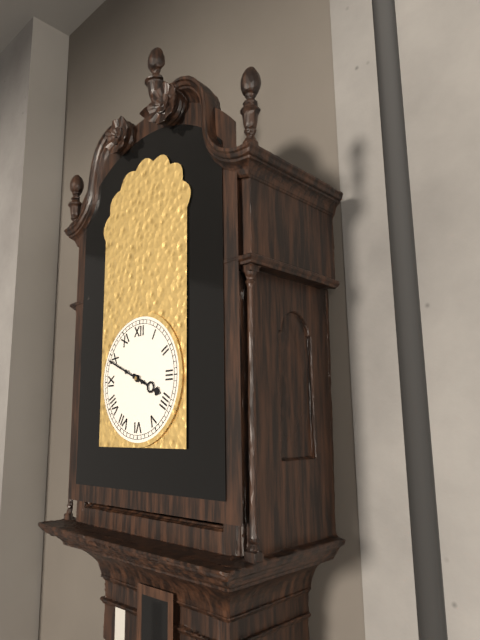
3:49
